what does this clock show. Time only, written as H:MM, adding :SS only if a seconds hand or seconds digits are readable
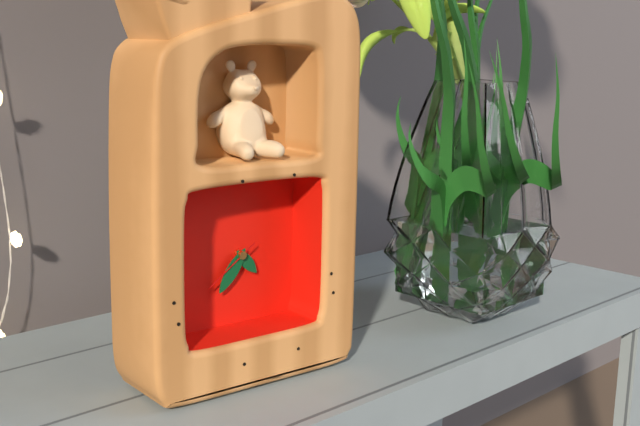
4:36:39
